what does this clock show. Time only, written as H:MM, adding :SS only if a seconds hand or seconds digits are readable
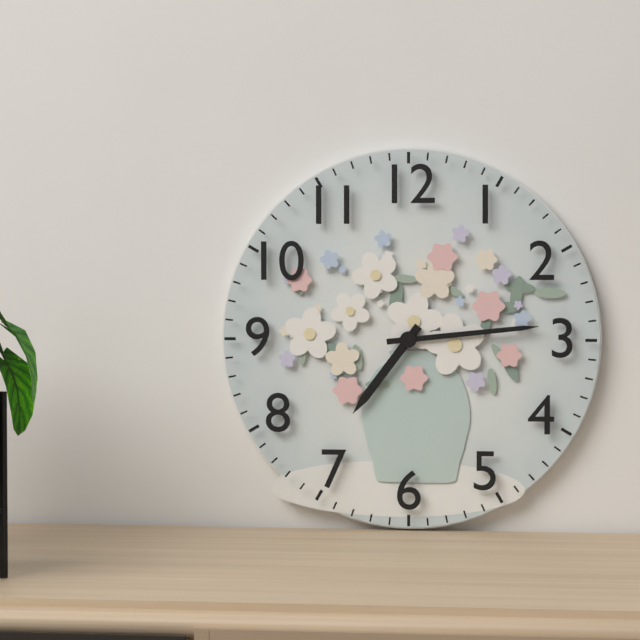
7:14
